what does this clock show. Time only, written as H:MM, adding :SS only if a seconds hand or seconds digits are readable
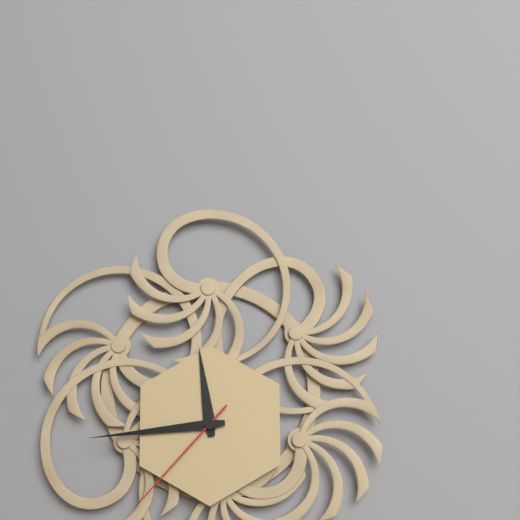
11:44:37
